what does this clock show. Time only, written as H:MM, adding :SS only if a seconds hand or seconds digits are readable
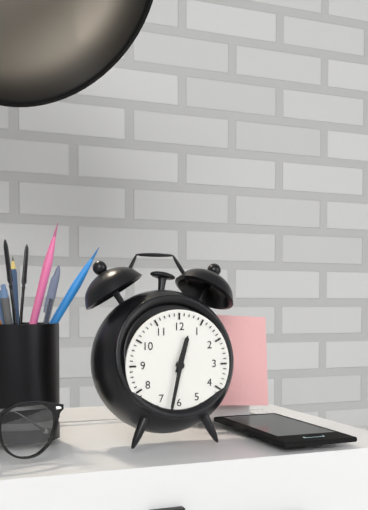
12:32
